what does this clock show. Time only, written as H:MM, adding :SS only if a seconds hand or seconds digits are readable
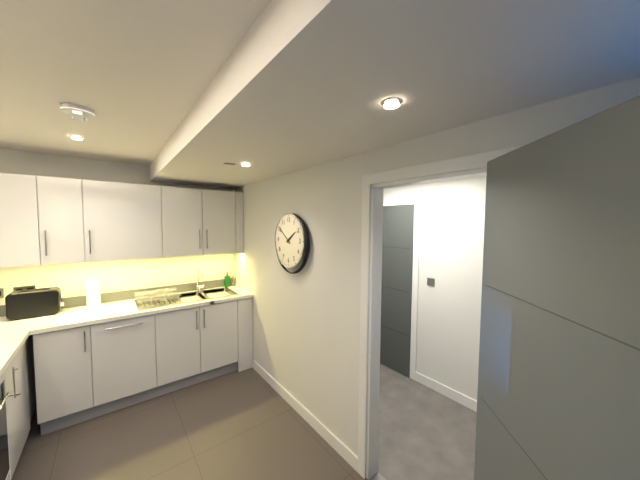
1:51
